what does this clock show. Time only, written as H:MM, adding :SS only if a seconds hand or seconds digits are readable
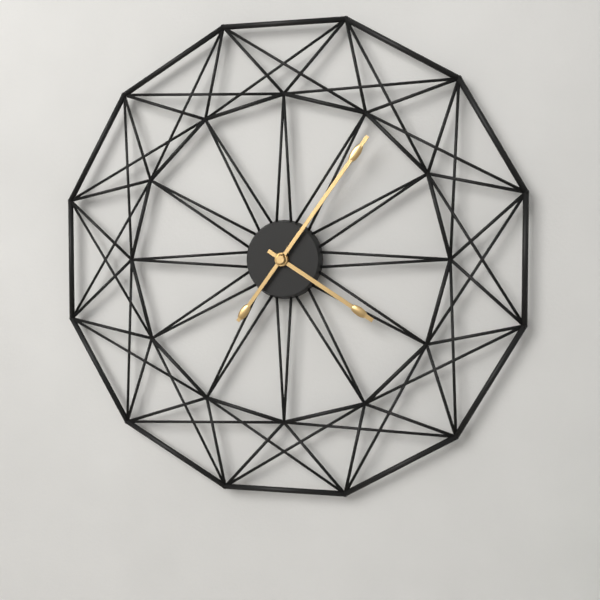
4:06
